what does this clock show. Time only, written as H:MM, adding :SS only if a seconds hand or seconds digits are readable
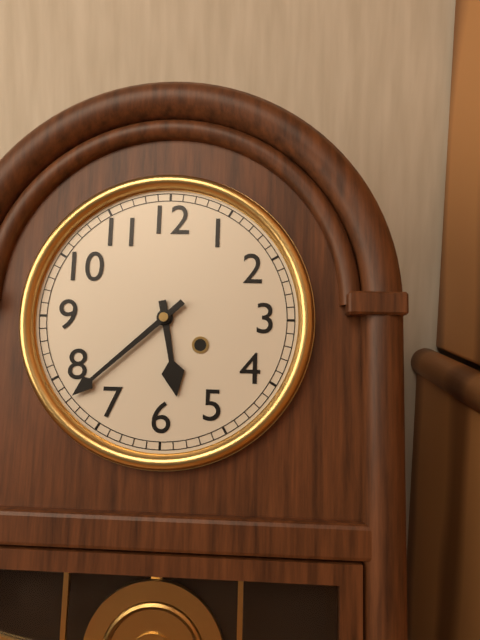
5:38
